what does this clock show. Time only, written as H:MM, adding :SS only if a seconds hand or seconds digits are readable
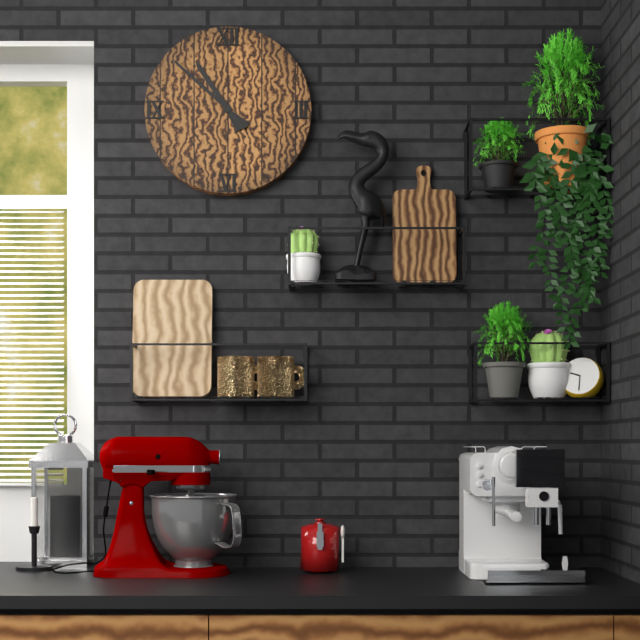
10:52
